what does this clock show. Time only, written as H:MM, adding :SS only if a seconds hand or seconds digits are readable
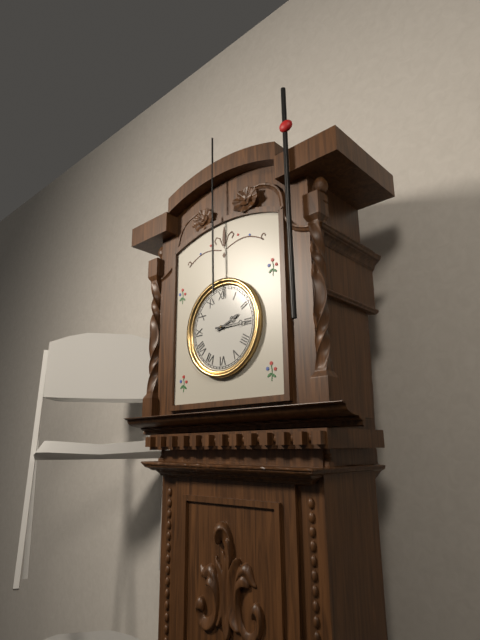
2:15
